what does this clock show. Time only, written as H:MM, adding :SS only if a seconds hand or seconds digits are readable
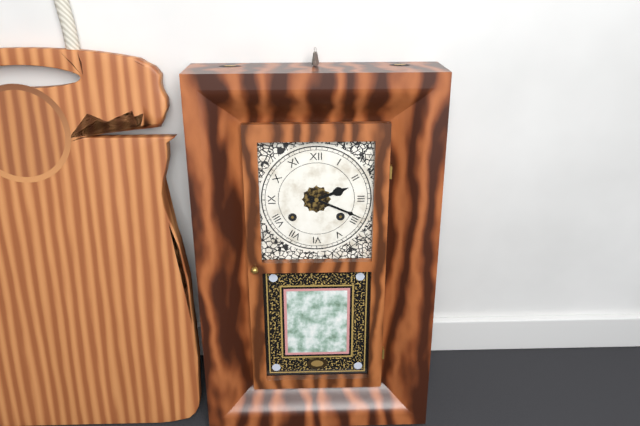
2:19
